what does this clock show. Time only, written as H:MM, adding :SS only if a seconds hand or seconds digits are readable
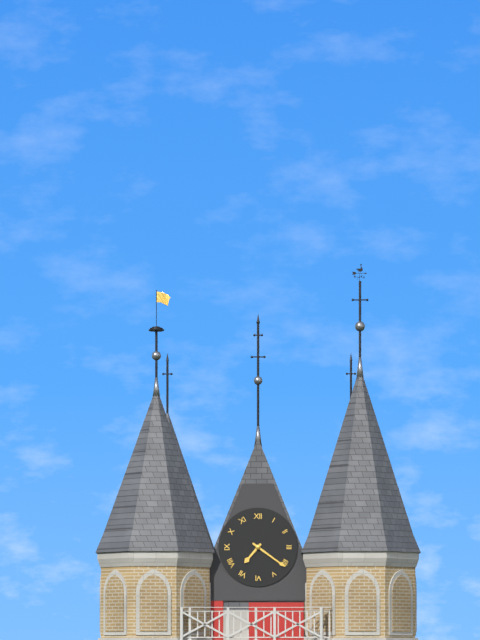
7:21
